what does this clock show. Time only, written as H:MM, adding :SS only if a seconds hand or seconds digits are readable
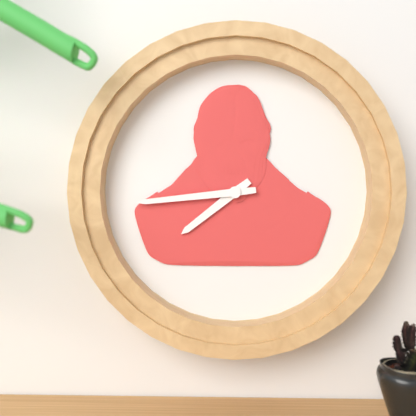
7:44
